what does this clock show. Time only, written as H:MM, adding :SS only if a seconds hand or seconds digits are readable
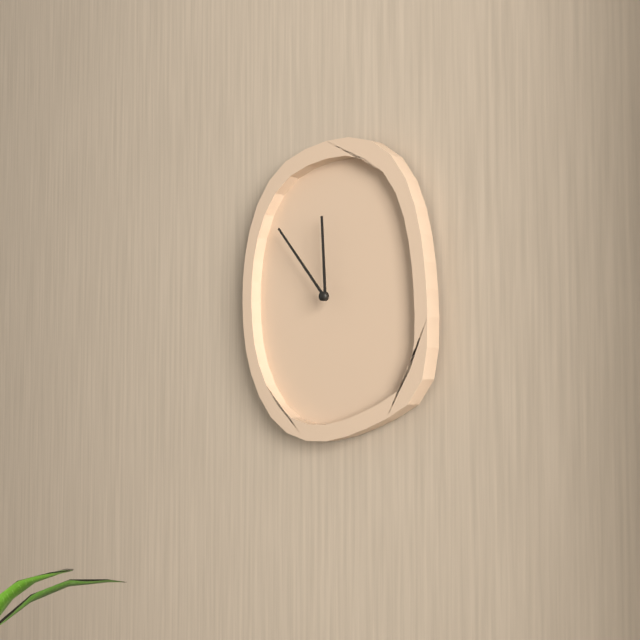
11:53
